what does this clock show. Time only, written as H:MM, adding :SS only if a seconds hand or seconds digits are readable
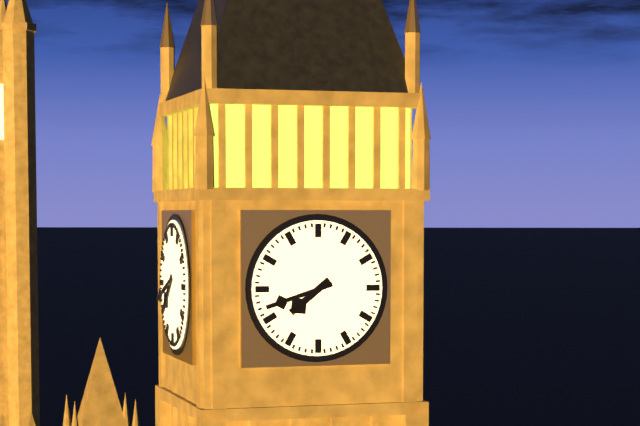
7:42
